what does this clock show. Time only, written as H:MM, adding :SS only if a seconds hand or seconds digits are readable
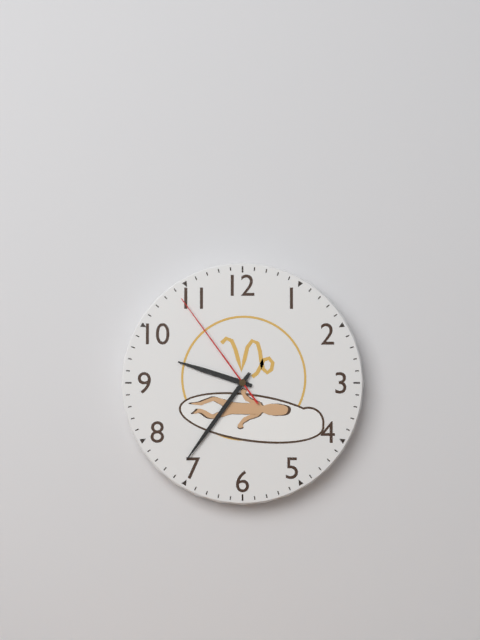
9:36:54
